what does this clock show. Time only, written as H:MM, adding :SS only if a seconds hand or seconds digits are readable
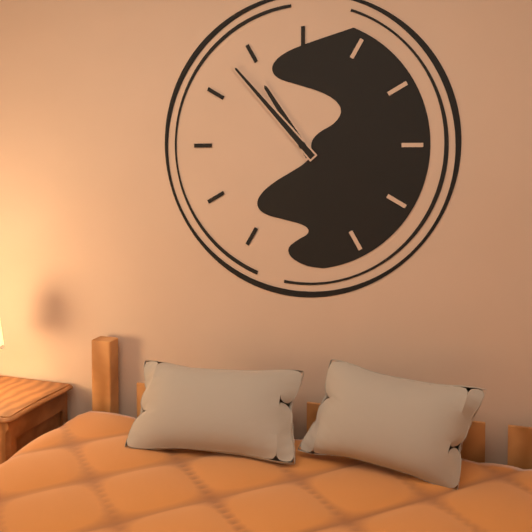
10:53
